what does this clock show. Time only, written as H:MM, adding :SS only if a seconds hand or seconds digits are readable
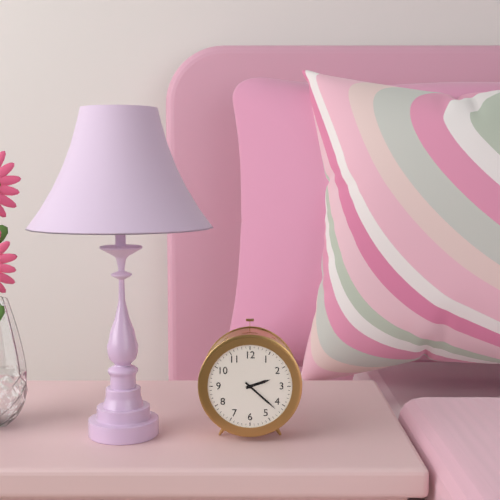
2:22
